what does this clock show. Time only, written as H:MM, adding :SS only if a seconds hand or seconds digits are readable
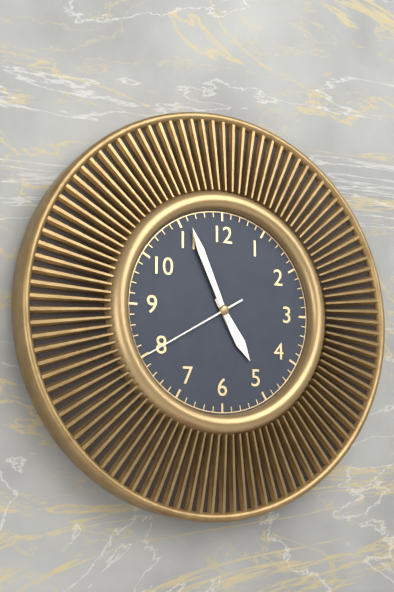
4:56:40
